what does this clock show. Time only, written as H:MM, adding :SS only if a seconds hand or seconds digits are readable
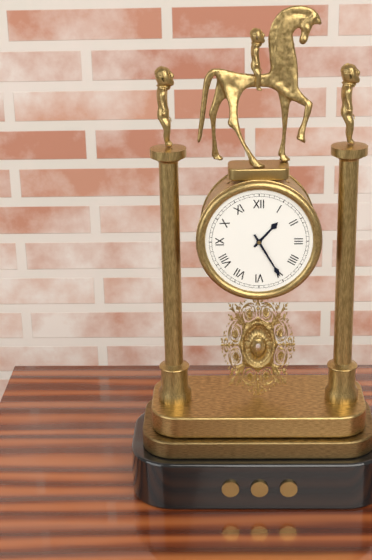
1:25
